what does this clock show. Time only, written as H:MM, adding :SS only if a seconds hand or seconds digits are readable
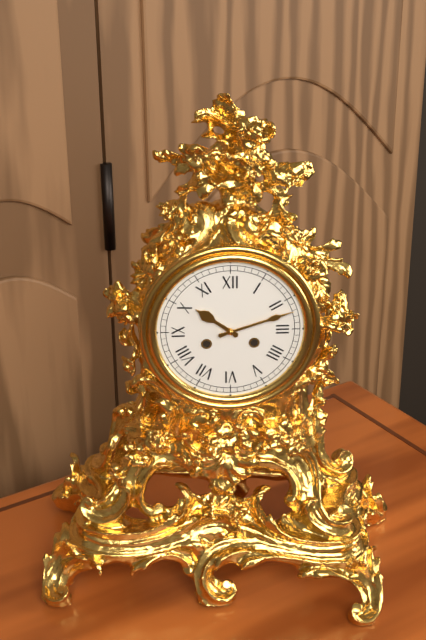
10:12
